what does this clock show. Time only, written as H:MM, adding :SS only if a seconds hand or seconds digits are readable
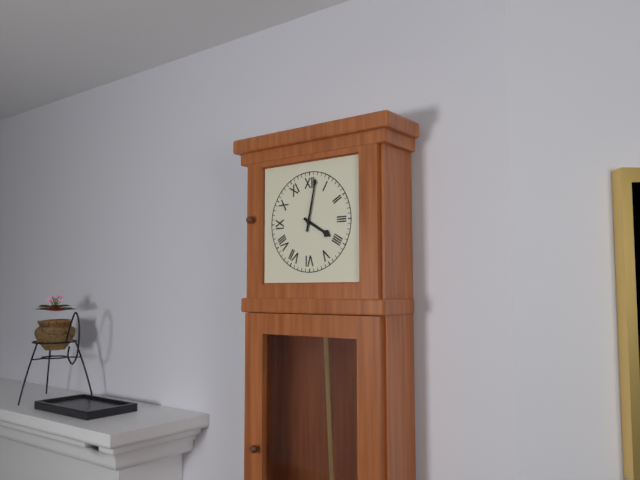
4:02
